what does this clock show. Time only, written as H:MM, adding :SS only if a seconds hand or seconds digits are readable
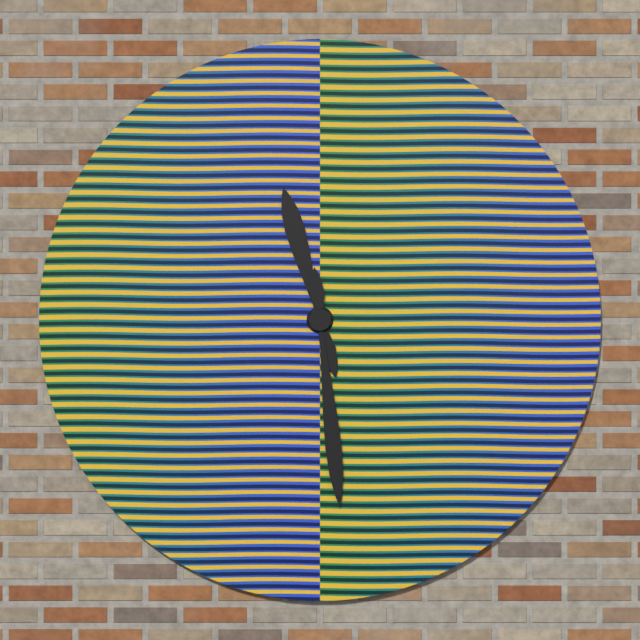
11:29
